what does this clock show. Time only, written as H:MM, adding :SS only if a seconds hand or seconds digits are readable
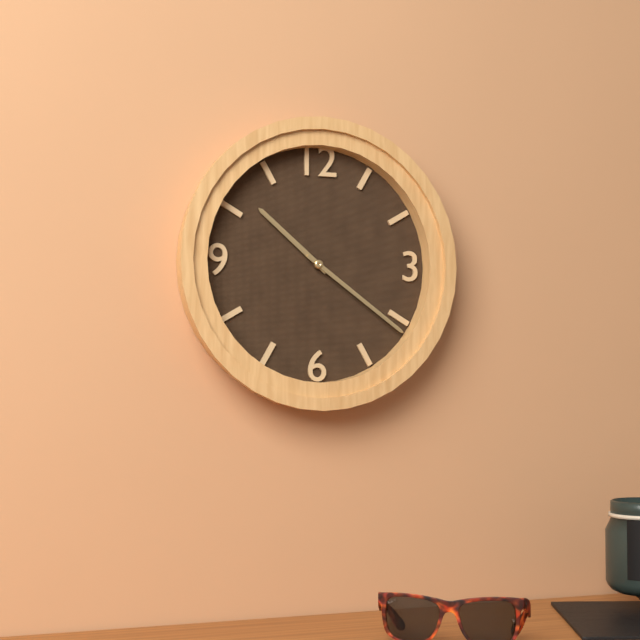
10:21
